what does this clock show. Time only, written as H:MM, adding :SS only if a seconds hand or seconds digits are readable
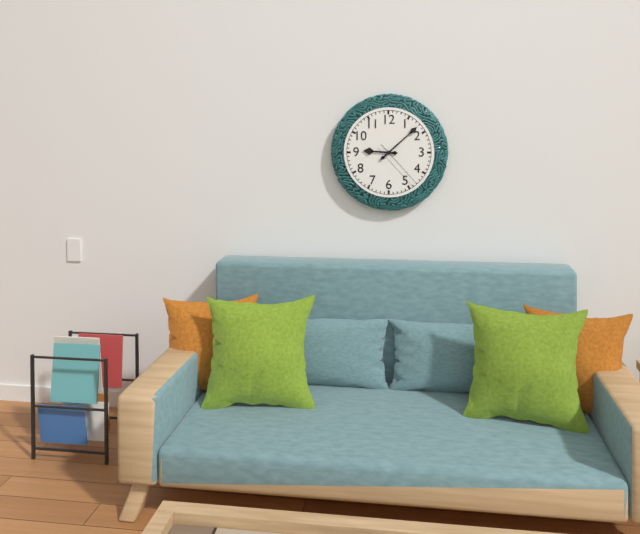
9:08:23
